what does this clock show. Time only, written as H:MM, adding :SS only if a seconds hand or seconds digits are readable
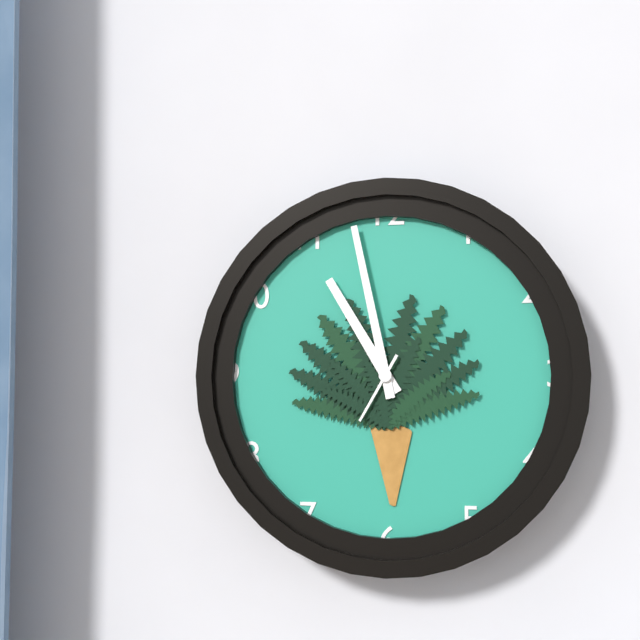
10:58:35
